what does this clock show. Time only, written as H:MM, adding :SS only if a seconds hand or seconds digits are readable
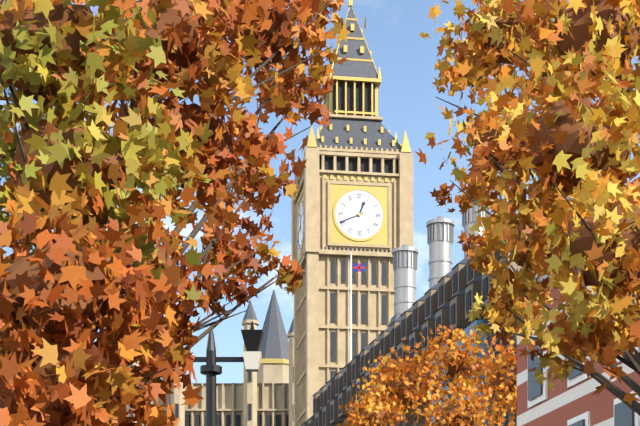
12:41
